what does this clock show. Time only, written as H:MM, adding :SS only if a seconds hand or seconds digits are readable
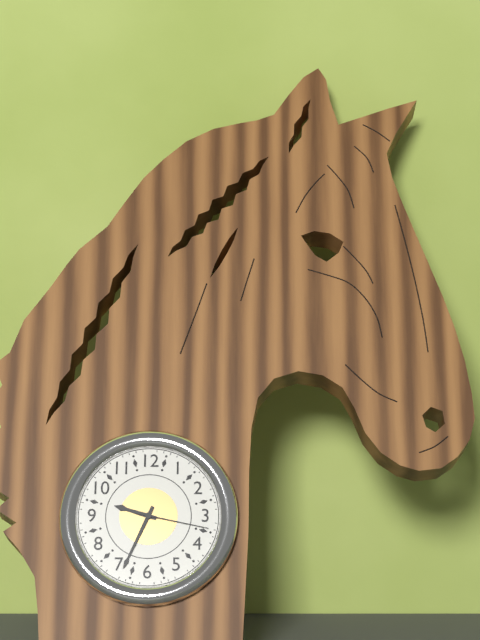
9:34:17
